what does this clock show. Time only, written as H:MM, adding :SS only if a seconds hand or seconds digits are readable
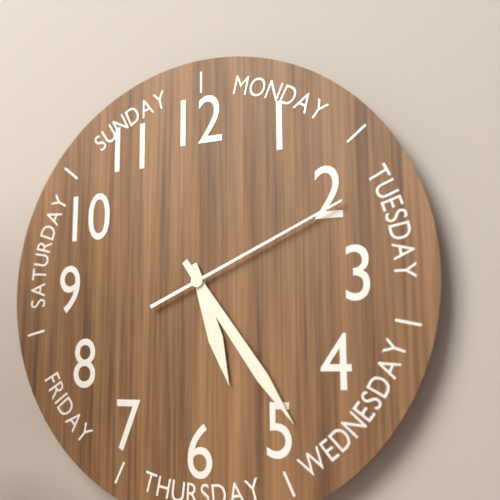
5:24:11
